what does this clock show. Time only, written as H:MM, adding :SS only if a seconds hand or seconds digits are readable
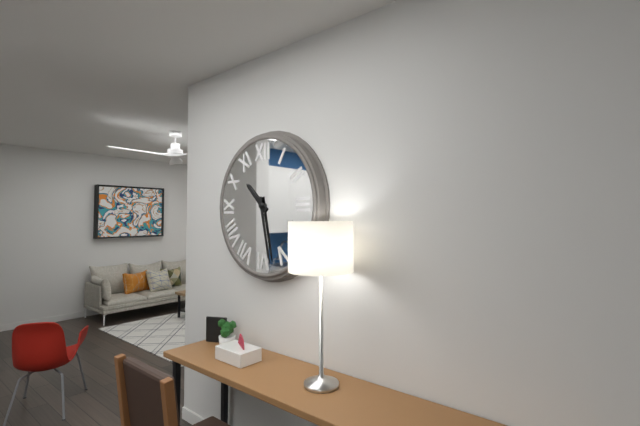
10:28
